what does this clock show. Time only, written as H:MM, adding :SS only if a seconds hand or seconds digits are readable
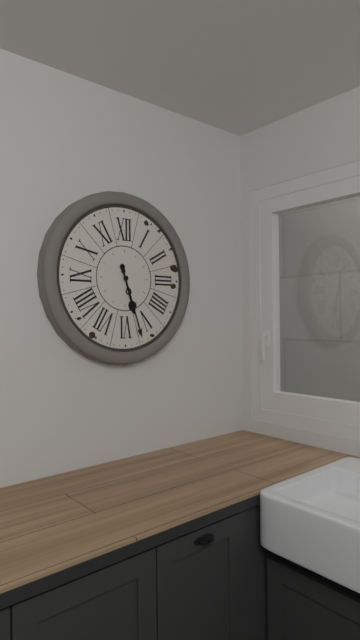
5:27
